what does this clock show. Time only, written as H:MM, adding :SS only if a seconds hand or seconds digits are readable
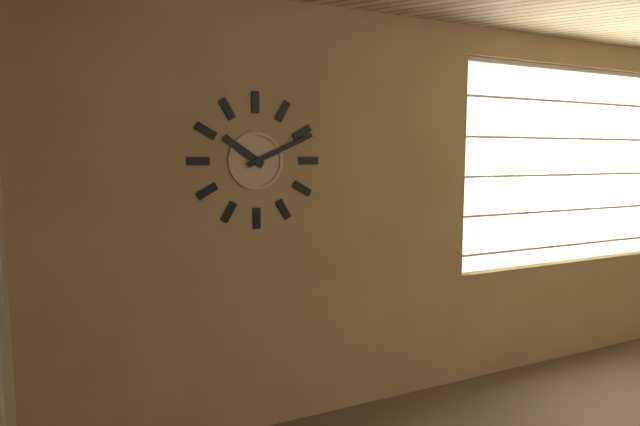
10:11
